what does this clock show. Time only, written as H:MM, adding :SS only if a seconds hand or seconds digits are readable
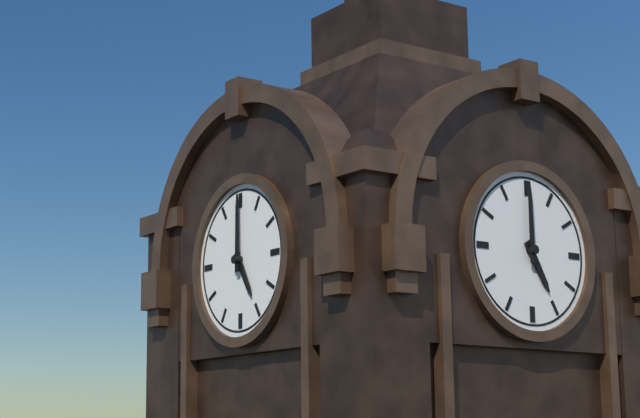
5:00
